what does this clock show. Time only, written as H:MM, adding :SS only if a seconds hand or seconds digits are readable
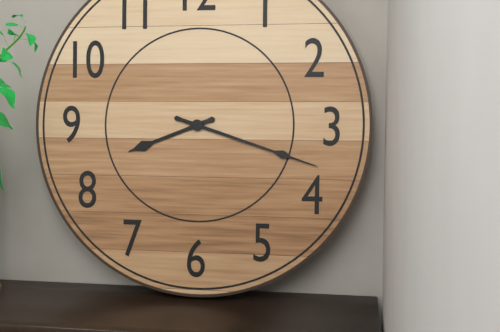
8:18
